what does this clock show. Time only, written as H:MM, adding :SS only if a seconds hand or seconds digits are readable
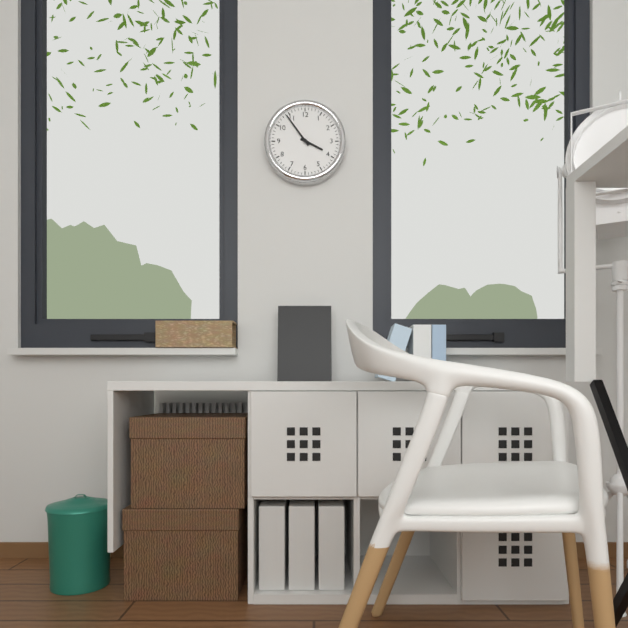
3:54
